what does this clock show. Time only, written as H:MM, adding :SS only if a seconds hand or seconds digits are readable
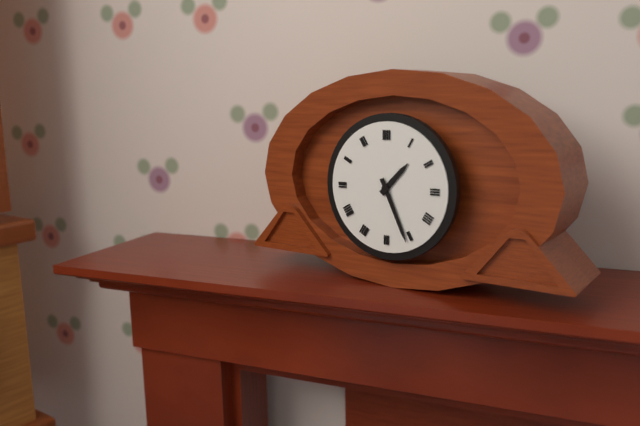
1:26
